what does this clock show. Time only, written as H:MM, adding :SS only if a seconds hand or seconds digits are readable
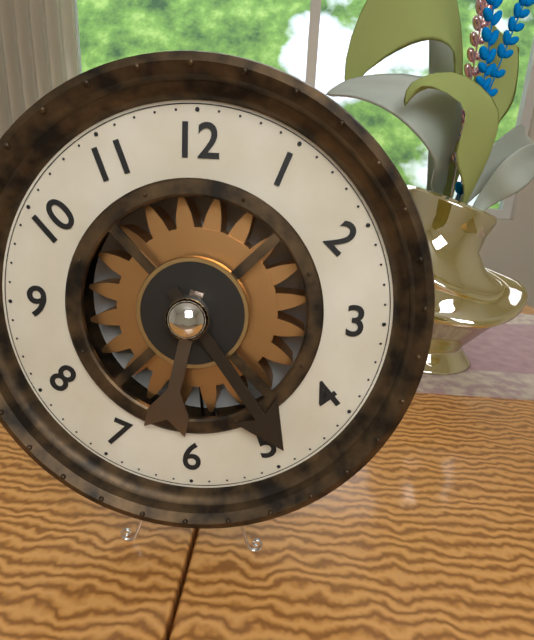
6:24
